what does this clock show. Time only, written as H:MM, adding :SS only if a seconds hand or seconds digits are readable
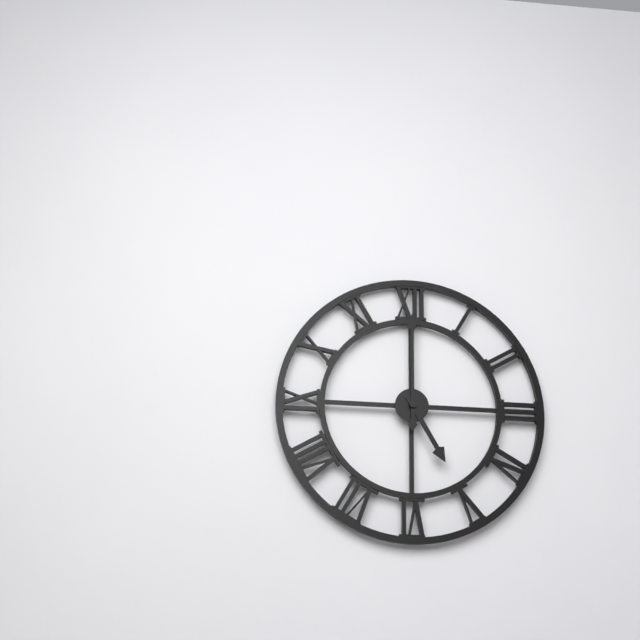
5:00
